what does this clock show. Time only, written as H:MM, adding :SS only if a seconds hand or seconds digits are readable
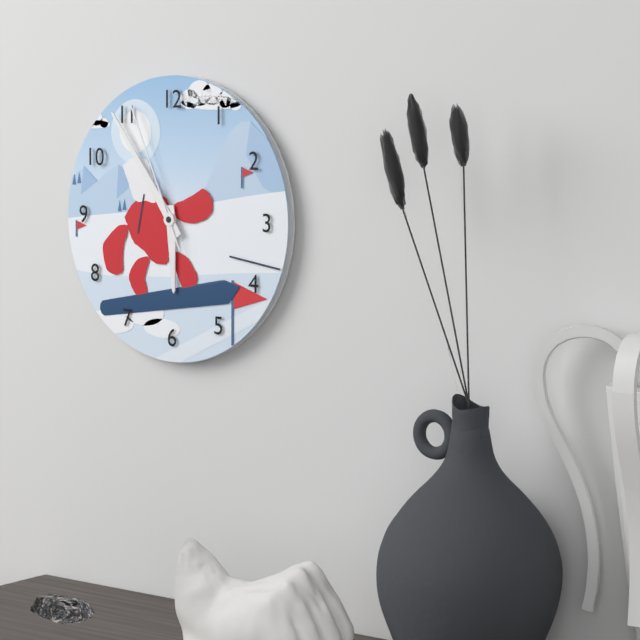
5:54:56
